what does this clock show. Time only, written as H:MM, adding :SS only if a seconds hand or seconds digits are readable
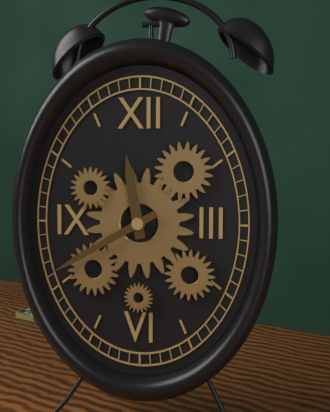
11:40
